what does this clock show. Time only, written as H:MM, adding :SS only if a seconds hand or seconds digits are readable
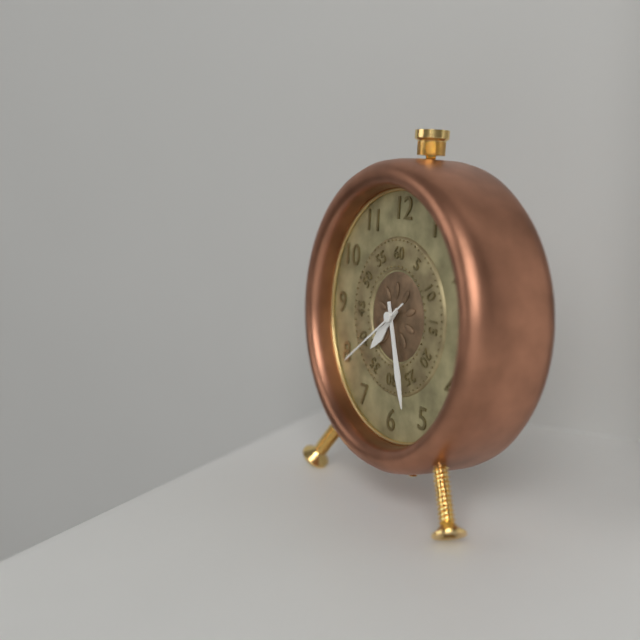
7:27:39
